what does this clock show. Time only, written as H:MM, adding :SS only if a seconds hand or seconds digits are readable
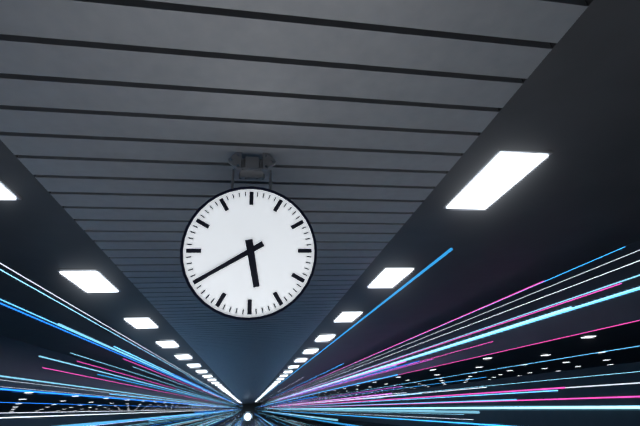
5:40
